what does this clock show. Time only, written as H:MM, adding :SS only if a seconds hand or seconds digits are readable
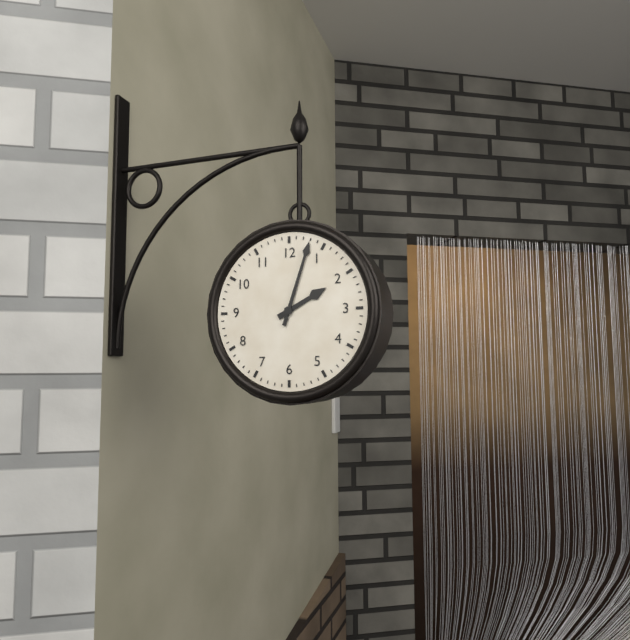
2:03
